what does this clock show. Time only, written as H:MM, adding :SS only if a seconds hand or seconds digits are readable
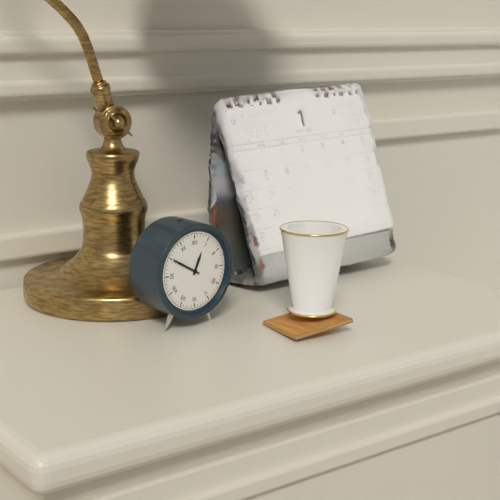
12:50
